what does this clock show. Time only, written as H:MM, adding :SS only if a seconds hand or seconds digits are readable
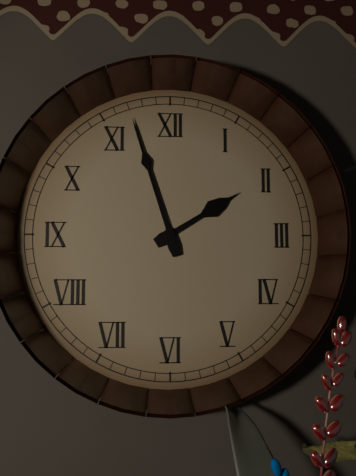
1:57
